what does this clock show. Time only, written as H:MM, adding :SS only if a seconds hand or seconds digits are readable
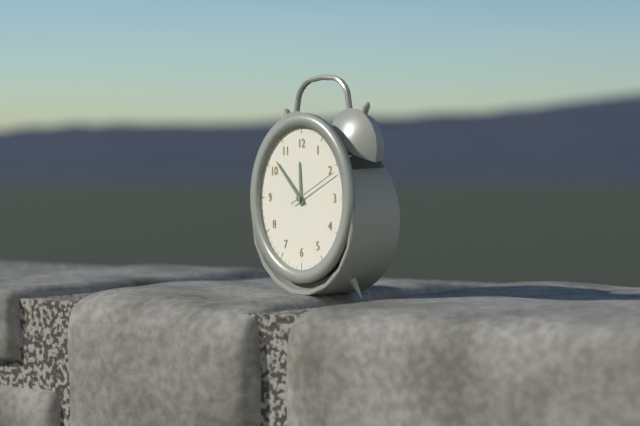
11:52:11
